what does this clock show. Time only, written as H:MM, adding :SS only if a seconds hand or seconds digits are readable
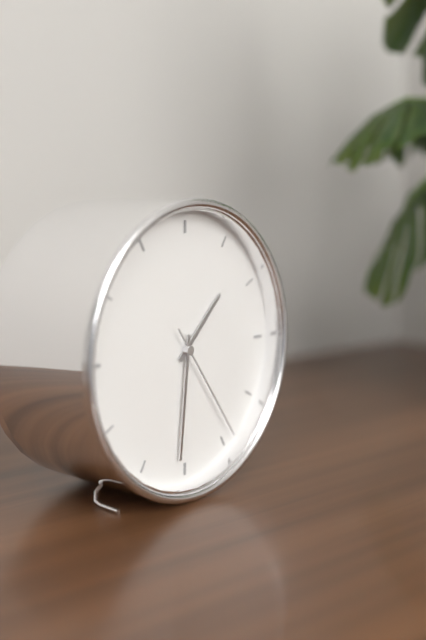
1:31:24
